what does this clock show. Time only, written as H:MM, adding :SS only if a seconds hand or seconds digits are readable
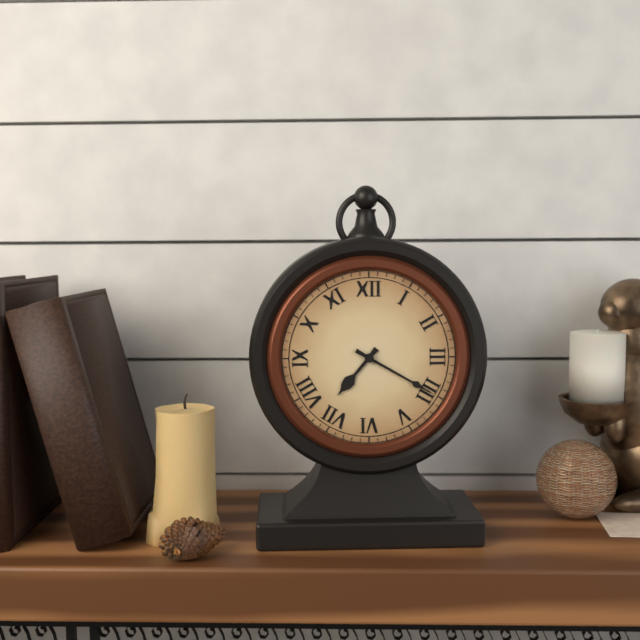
7:20
